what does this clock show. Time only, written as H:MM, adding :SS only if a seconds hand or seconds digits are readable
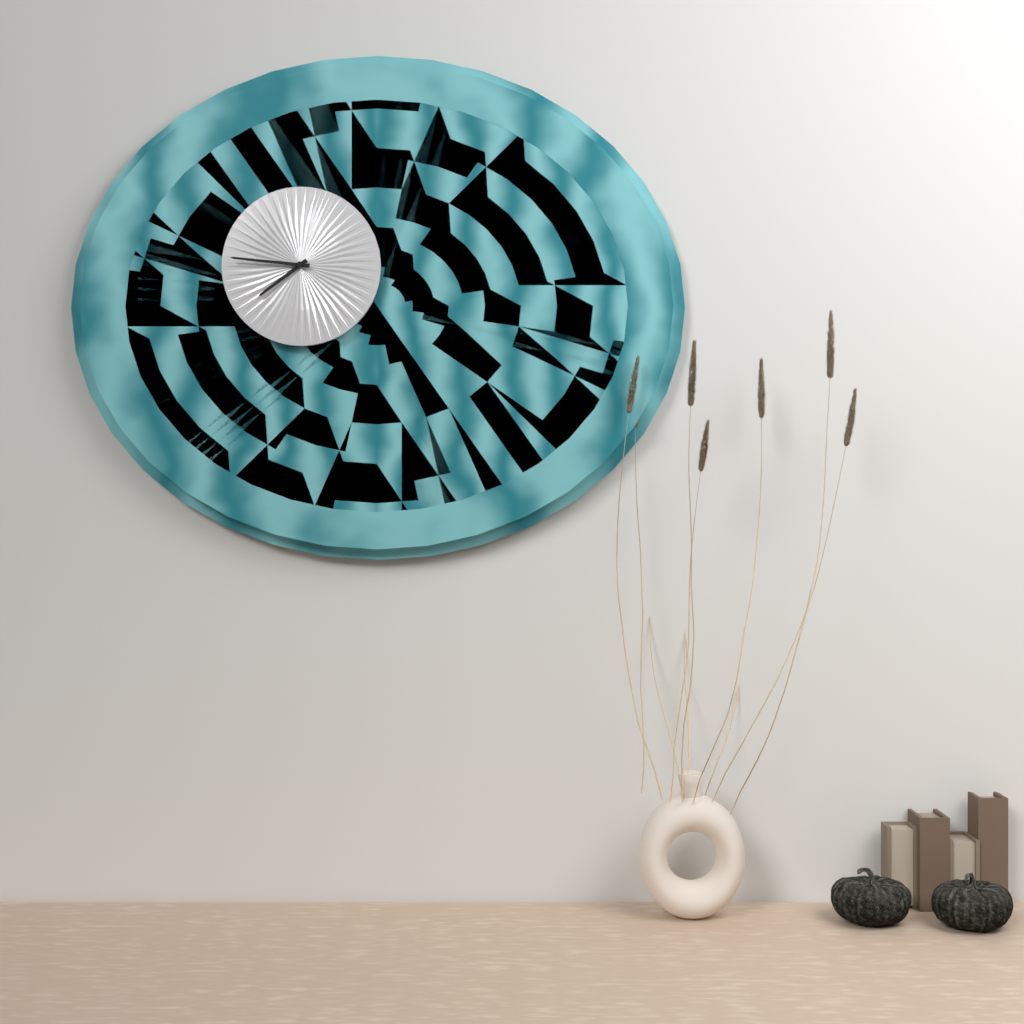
7:46
